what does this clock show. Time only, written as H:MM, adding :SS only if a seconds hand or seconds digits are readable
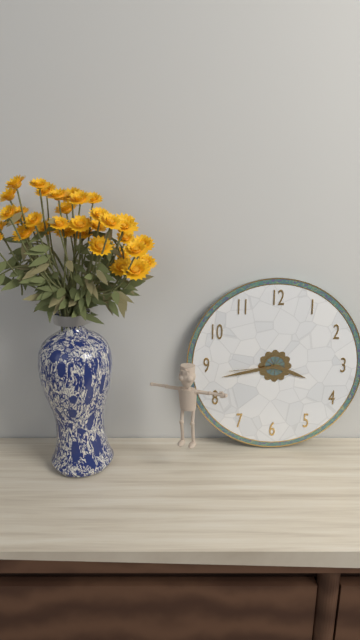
3:43:44
